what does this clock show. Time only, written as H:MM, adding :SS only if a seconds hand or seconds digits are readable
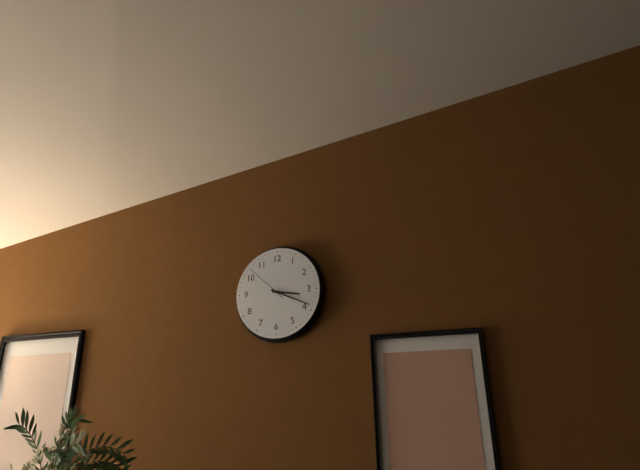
3:19
